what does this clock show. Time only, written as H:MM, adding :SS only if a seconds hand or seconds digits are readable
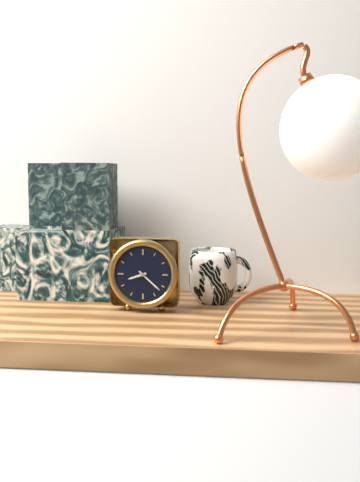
8:22
